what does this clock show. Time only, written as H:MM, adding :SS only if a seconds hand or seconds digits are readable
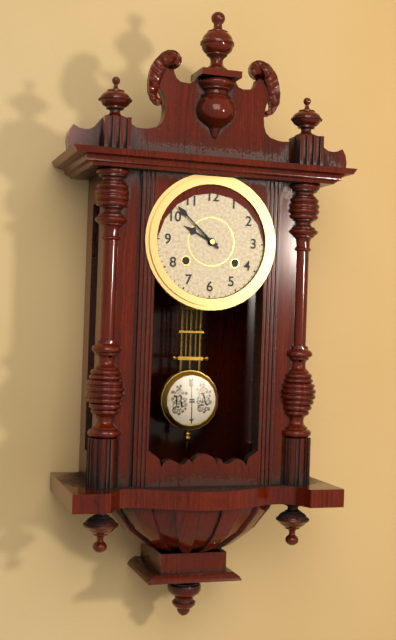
9:52
